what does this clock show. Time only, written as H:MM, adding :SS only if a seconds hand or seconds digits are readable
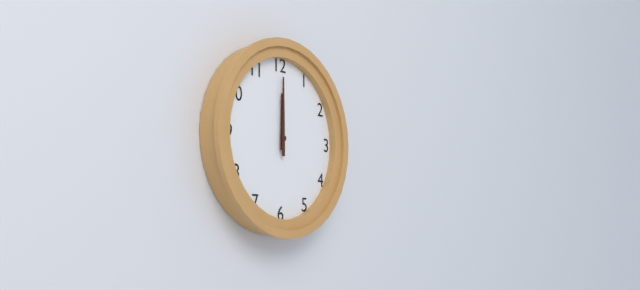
12:00
